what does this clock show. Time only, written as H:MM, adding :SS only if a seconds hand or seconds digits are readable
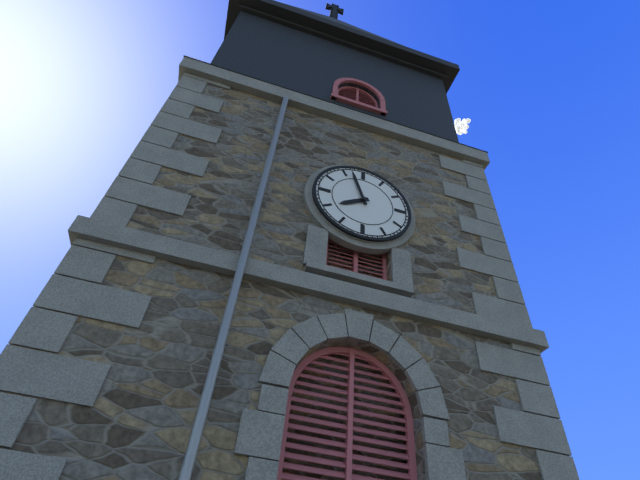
7:57
